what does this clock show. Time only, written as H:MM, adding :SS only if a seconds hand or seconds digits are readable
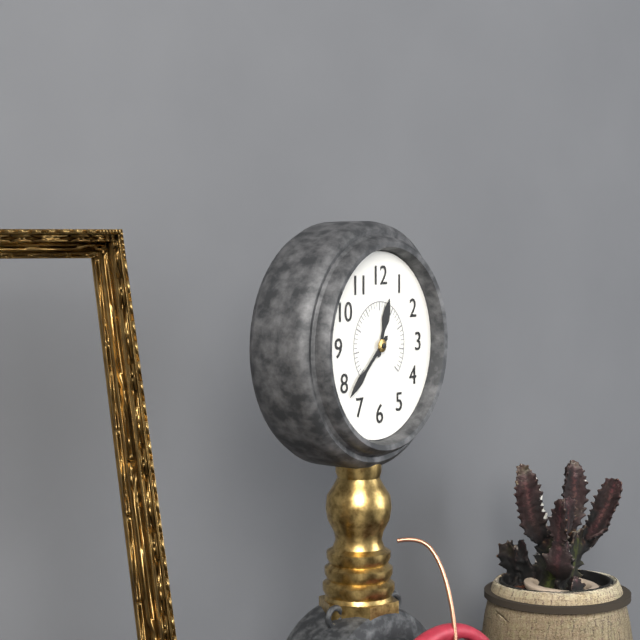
12:38
